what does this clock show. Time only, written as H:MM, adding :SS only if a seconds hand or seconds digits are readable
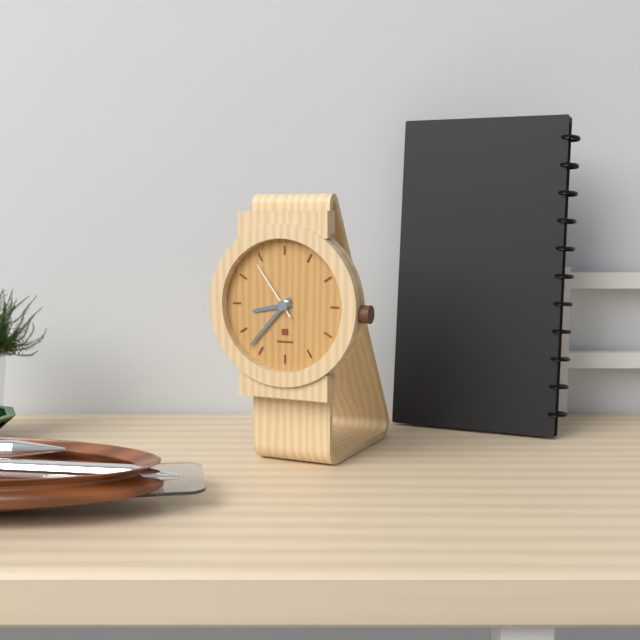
8:37:54
